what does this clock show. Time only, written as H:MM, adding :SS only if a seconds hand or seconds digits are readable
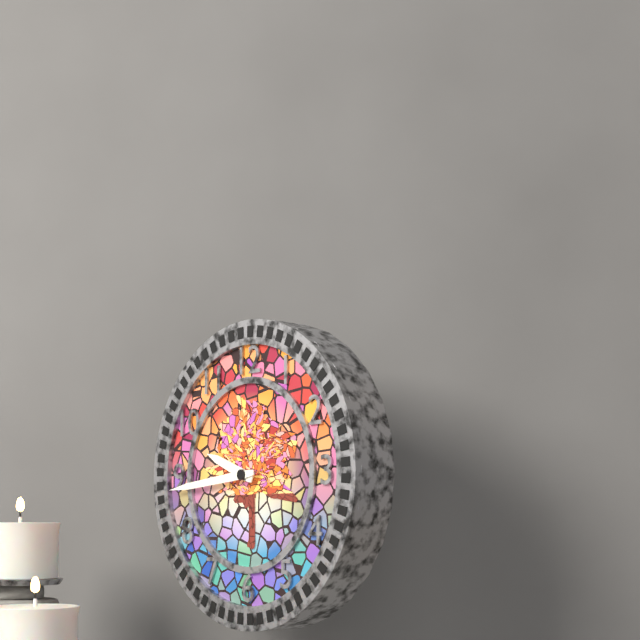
9:44
